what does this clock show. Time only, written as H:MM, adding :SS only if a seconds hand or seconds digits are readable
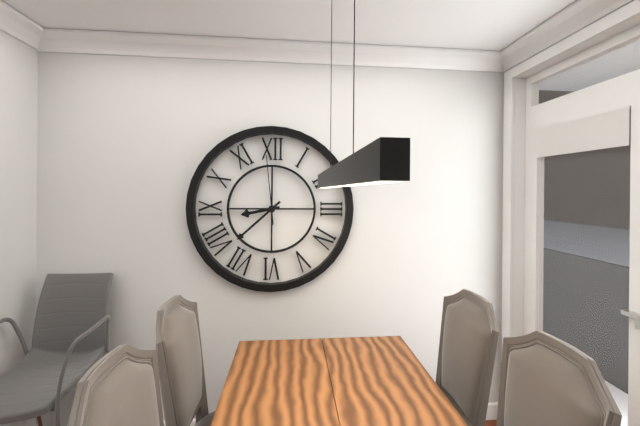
8:38:59
